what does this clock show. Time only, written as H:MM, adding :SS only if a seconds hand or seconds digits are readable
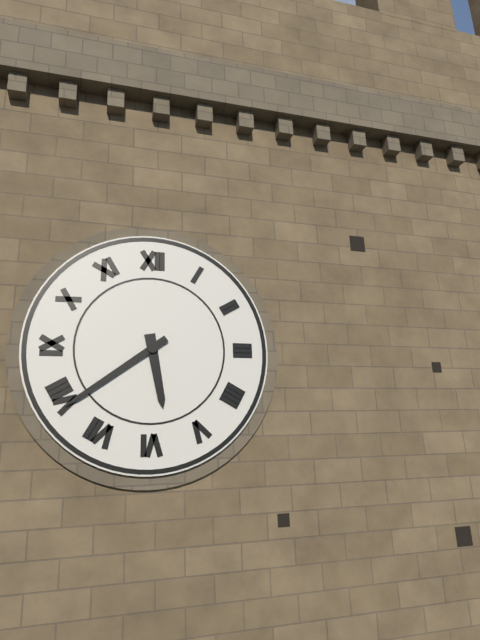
5:39
